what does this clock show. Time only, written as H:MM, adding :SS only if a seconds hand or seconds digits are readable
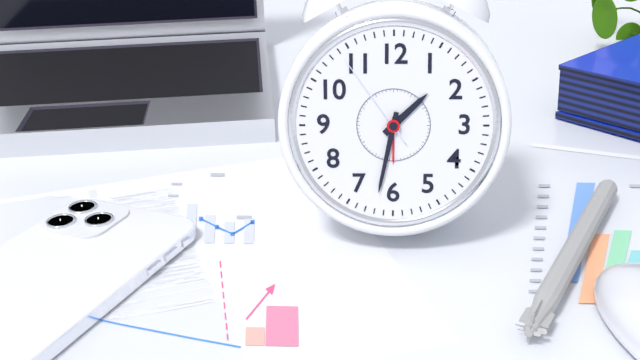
1:32:54
